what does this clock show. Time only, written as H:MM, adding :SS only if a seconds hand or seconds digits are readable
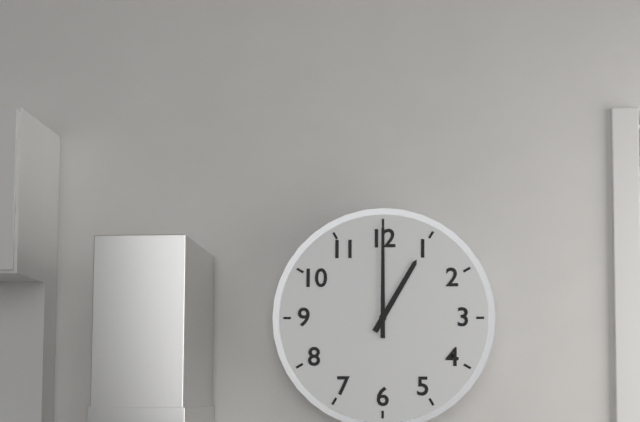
1:00
